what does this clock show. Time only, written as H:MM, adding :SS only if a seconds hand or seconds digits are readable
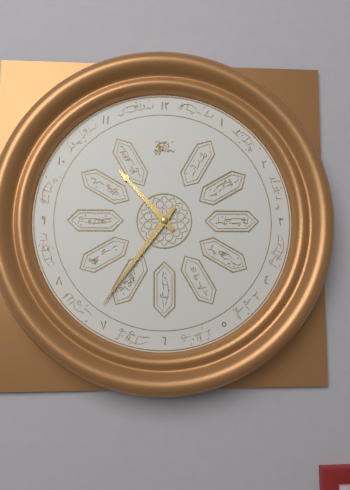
10:36
